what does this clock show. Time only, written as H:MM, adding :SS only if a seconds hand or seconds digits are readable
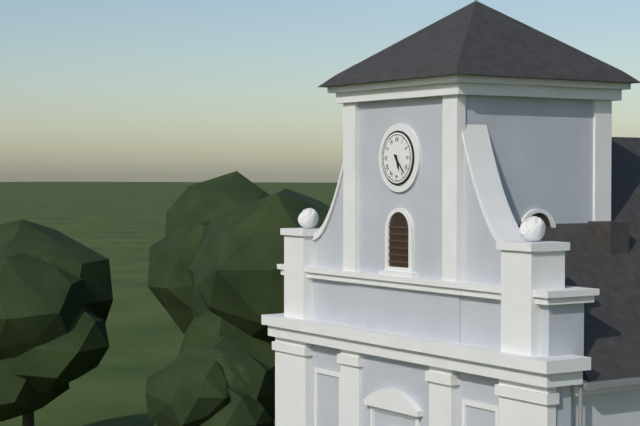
5:23
